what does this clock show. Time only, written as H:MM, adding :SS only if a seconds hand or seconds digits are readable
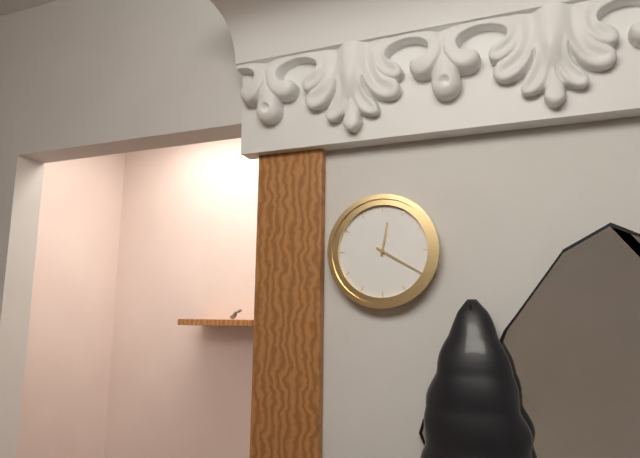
12:20
